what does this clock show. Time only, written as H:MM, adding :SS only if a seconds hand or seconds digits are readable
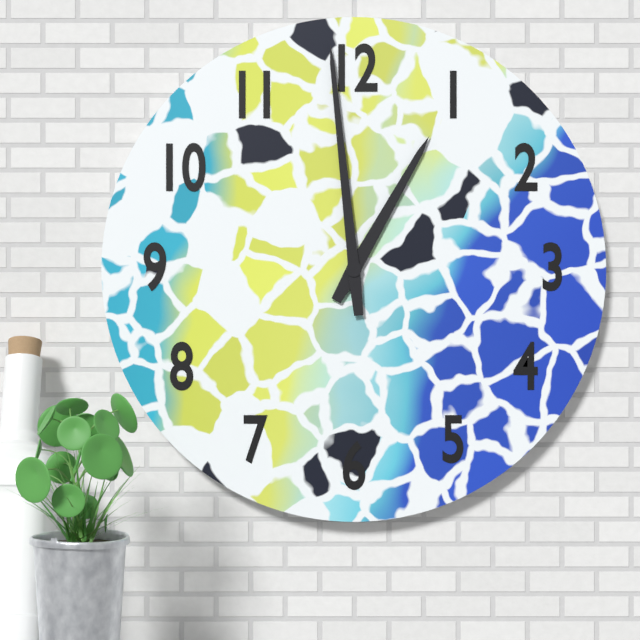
12:59
